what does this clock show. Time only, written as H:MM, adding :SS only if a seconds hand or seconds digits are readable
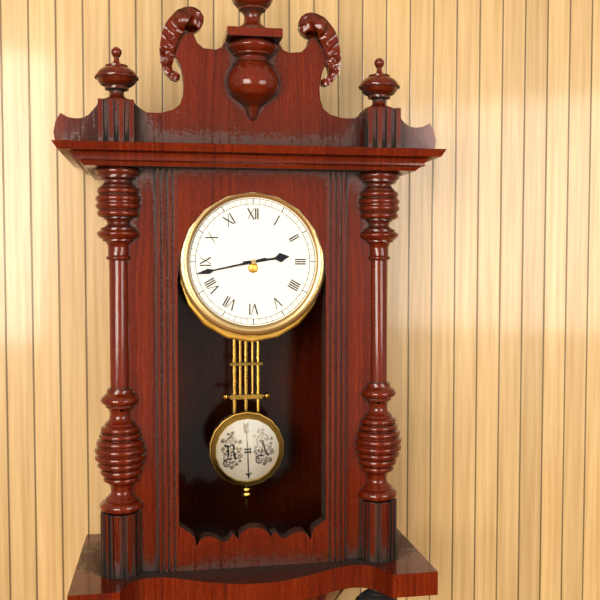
2:43
